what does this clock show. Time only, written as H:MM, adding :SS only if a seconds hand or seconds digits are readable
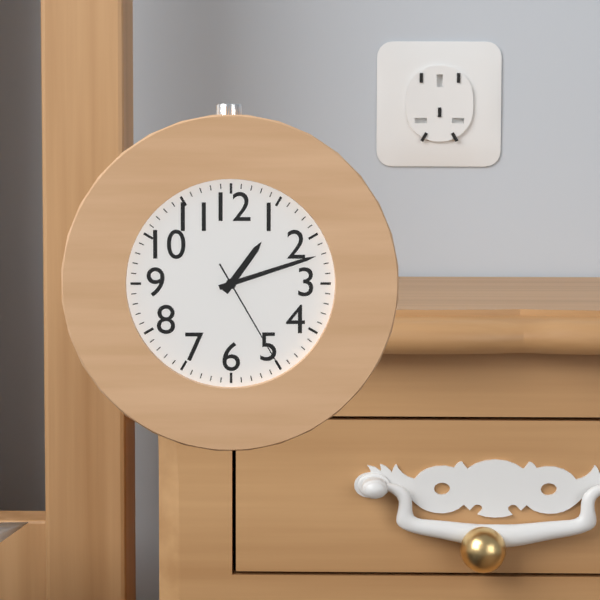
1:12:25
